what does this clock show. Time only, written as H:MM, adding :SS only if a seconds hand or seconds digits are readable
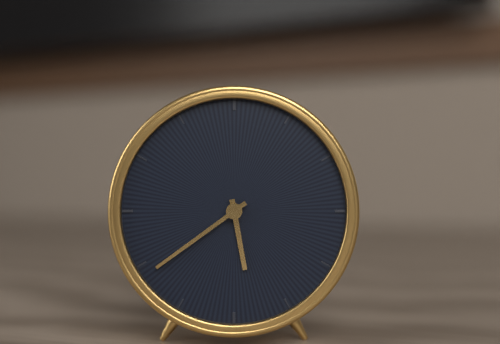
5:39
